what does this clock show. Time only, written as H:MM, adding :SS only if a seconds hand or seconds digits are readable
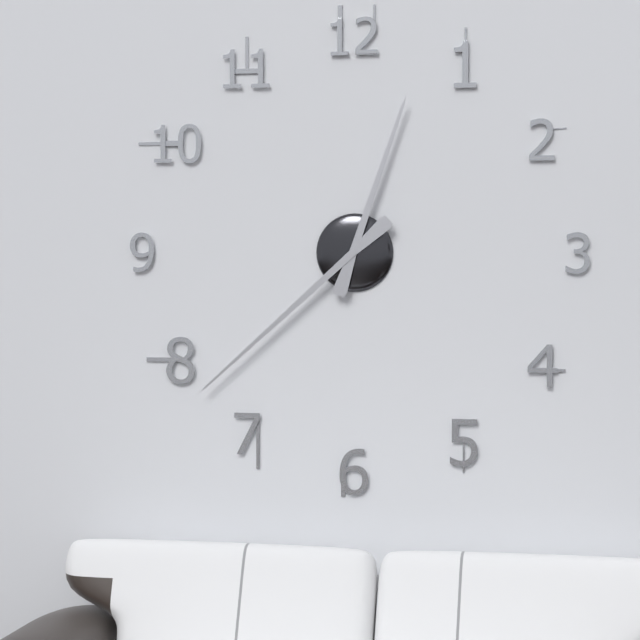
12:38
